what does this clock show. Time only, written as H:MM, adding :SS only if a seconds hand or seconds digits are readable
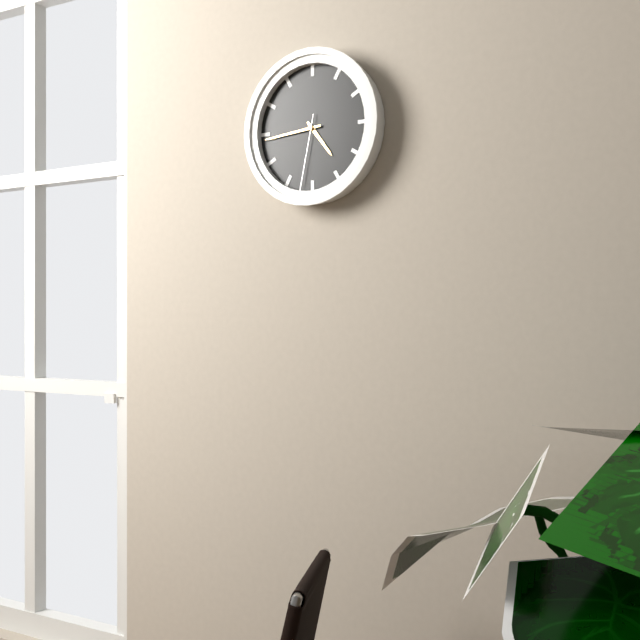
4:44:32
